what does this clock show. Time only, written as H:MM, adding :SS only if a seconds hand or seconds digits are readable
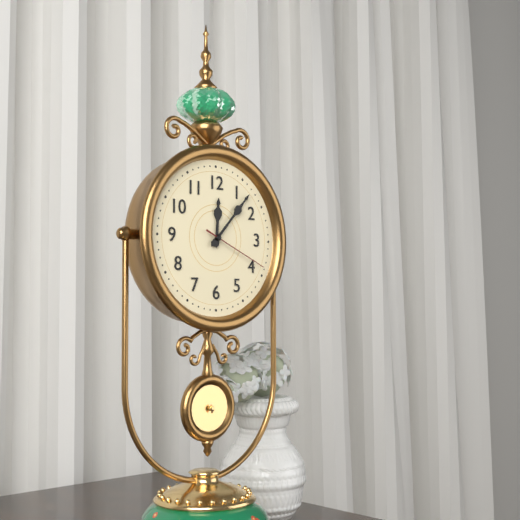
12:07:19
